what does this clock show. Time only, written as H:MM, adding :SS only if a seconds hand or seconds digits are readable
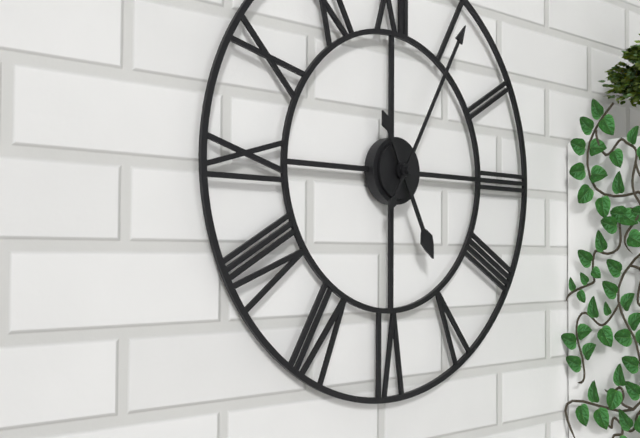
5:05
